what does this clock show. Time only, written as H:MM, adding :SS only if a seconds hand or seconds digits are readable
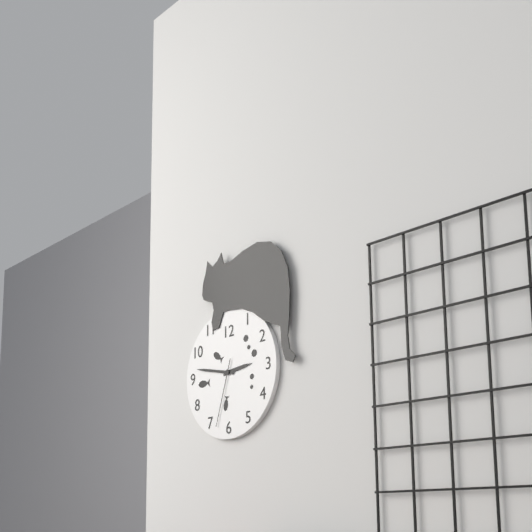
2:47:33
